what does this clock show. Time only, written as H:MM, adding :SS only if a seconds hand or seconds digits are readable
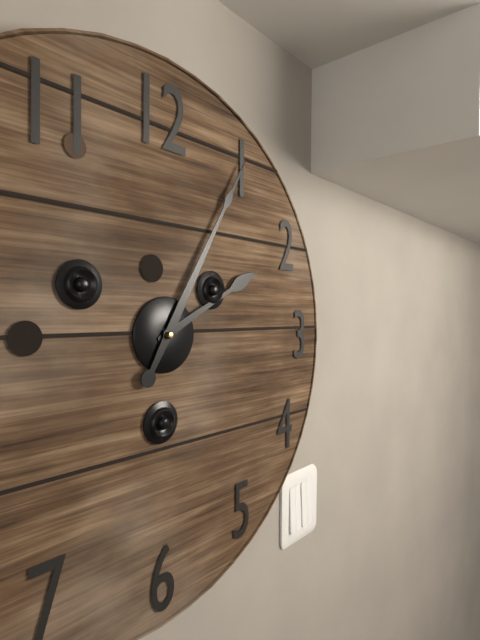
2:05
